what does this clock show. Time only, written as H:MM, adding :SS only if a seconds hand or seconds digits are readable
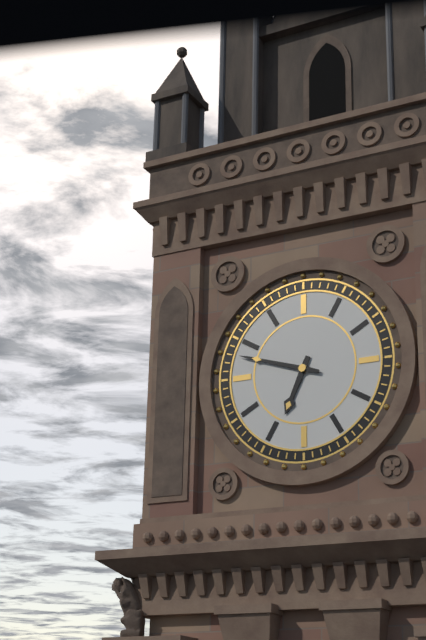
6:48
